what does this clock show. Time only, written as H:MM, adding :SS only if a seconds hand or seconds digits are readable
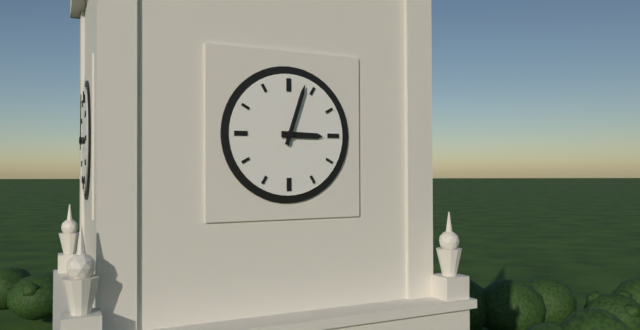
3:03
